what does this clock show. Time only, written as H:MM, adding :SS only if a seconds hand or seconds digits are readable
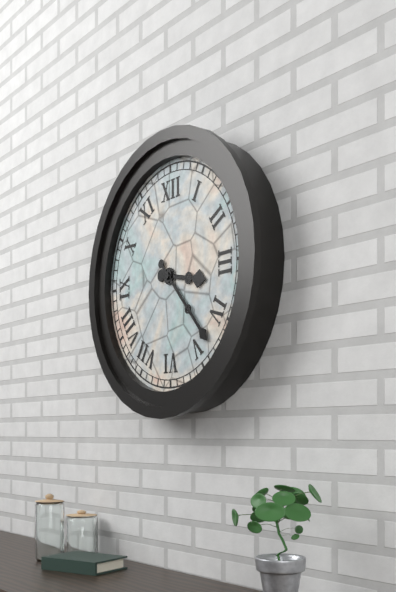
3:23
